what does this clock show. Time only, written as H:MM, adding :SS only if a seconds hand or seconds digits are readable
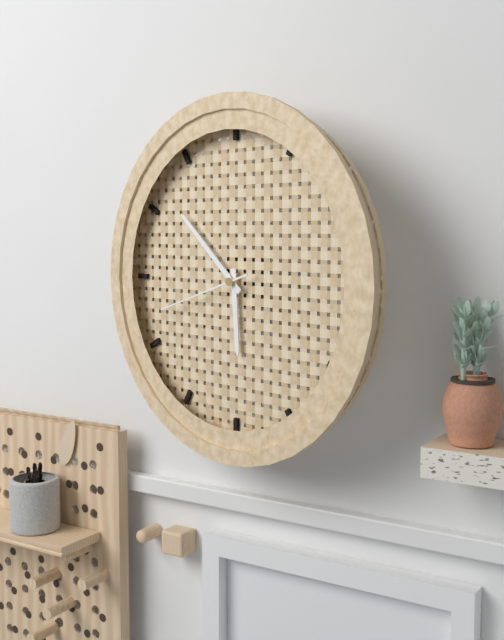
5:52:42
